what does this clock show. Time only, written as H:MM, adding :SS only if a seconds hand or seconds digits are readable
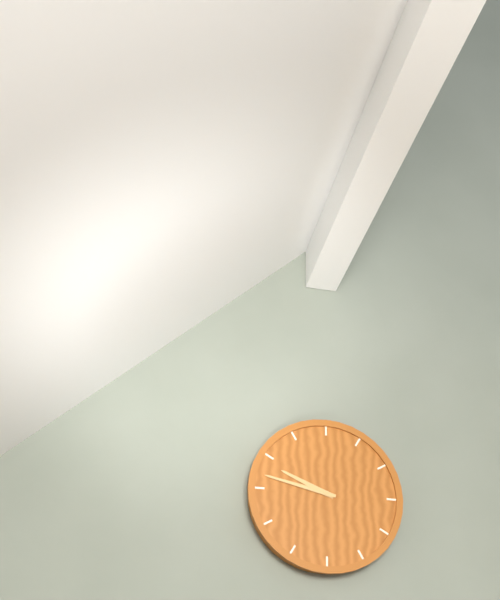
9:47
